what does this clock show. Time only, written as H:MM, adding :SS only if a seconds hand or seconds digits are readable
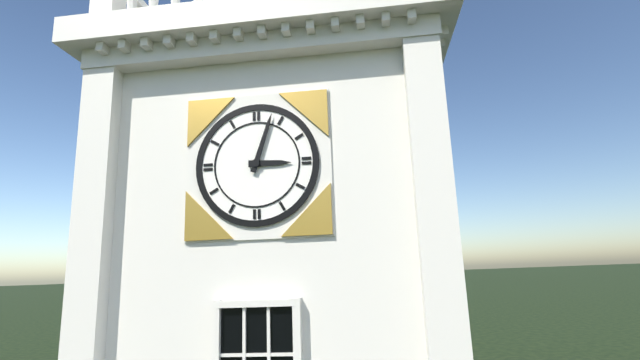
3:03
